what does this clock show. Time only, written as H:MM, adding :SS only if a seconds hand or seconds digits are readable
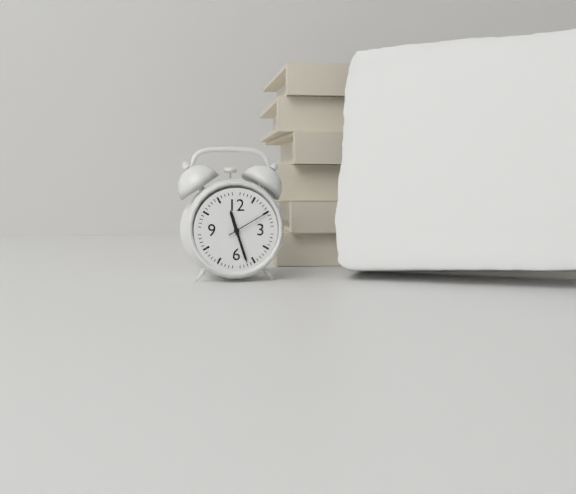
11:27
